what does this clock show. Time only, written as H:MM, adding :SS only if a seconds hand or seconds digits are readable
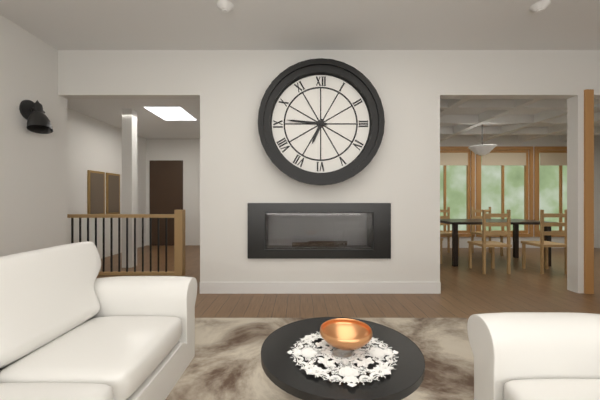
6:46
